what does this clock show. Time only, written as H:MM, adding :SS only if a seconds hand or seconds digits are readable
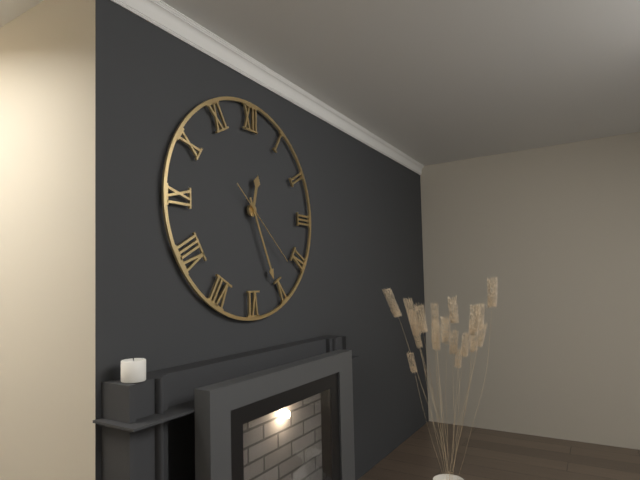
12:26:22
